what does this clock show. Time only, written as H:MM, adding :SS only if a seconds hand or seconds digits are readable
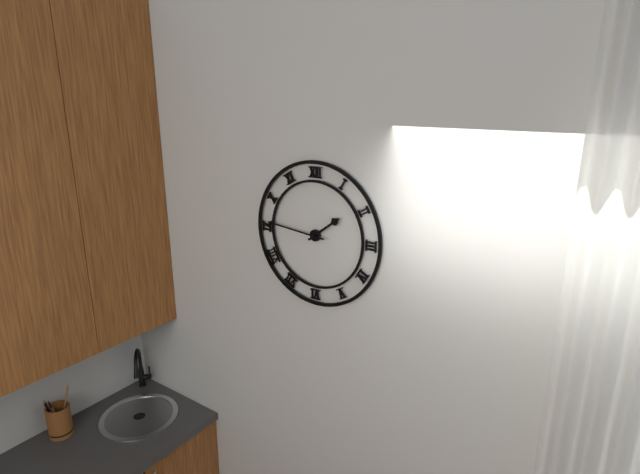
1:46
